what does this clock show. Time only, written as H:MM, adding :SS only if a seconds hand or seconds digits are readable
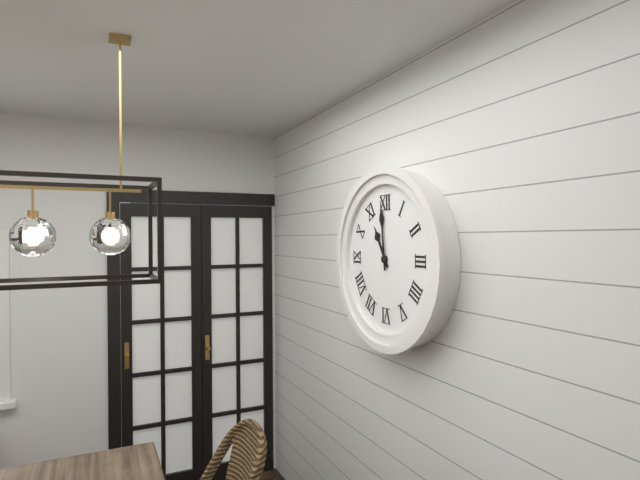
10:59
